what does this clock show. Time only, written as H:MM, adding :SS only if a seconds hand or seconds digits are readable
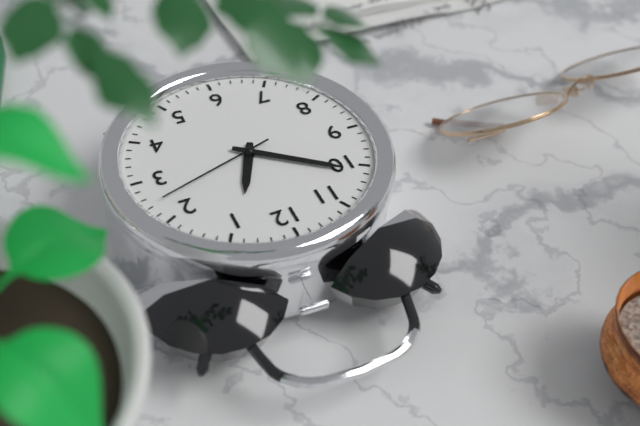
12:51:12
